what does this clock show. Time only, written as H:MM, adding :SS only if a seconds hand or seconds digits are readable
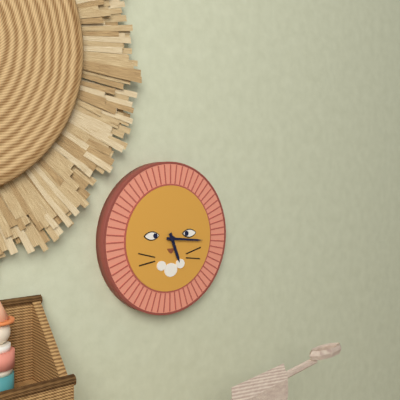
5:16
